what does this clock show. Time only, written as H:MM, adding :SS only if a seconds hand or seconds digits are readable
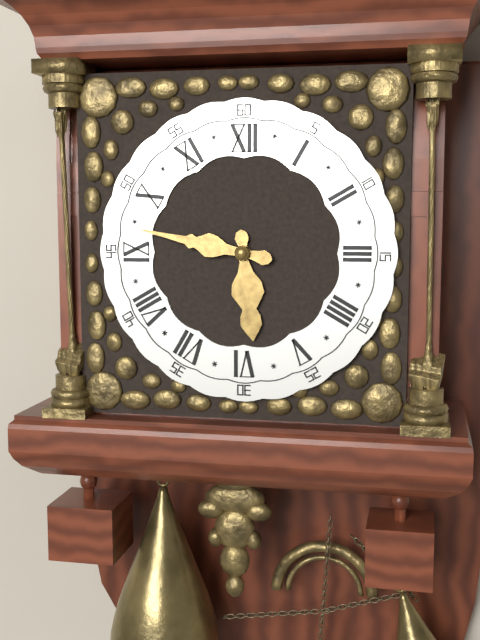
5:47
